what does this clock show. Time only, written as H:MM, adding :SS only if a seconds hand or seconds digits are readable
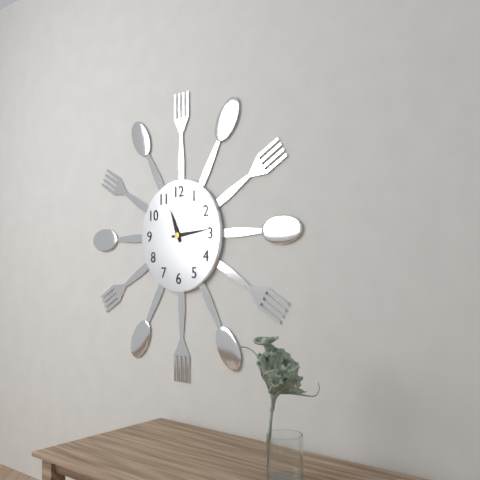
11:14
